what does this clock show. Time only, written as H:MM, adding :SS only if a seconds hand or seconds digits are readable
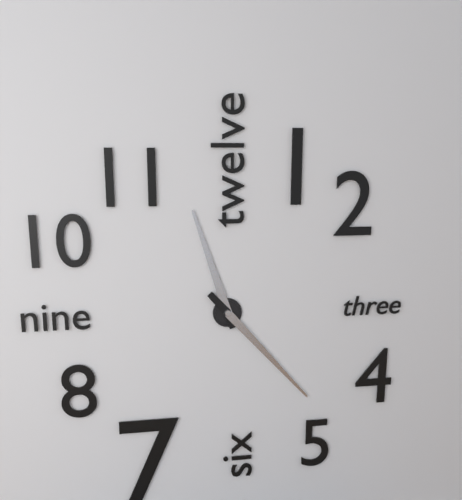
11:23
